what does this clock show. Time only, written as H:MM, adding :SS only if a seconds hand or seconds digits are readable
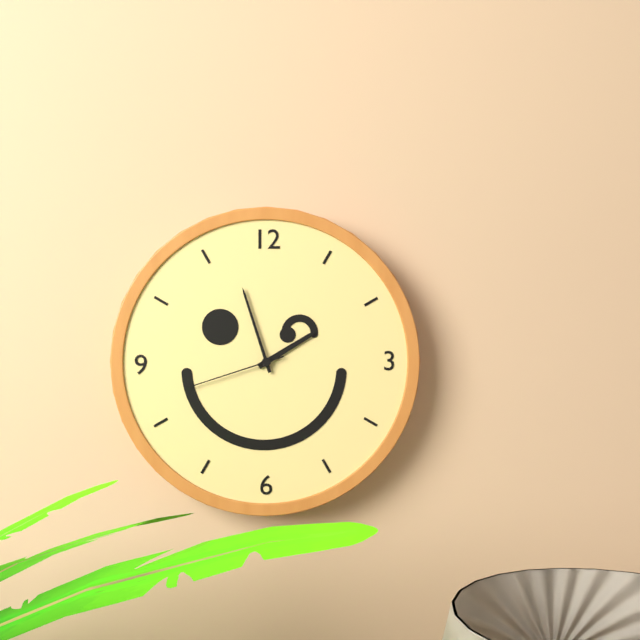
1:57:42
